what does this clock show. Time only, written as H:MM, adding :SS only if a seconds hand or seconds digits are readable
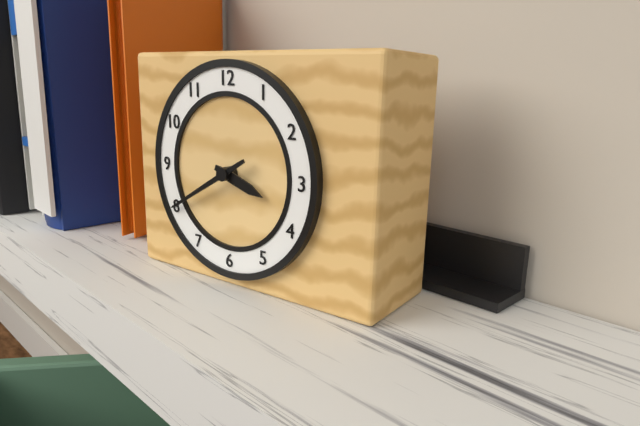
3:40
